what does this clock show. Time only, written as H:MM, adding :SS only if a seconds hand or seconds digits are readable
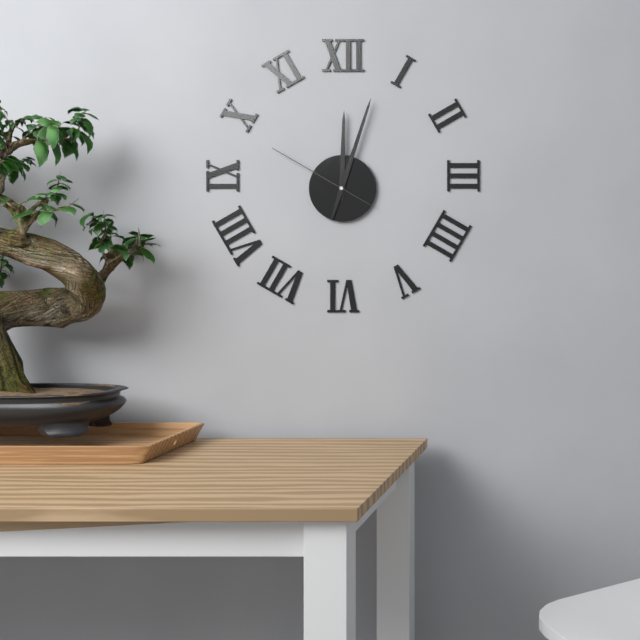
12:03:50
